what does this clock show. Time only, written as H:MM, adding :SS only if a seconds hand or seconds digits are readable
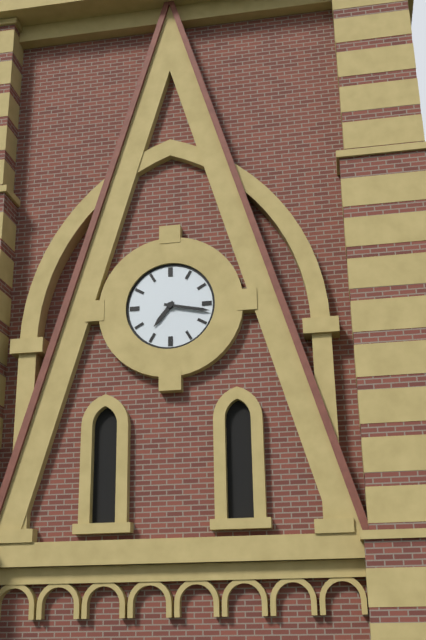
7:17
